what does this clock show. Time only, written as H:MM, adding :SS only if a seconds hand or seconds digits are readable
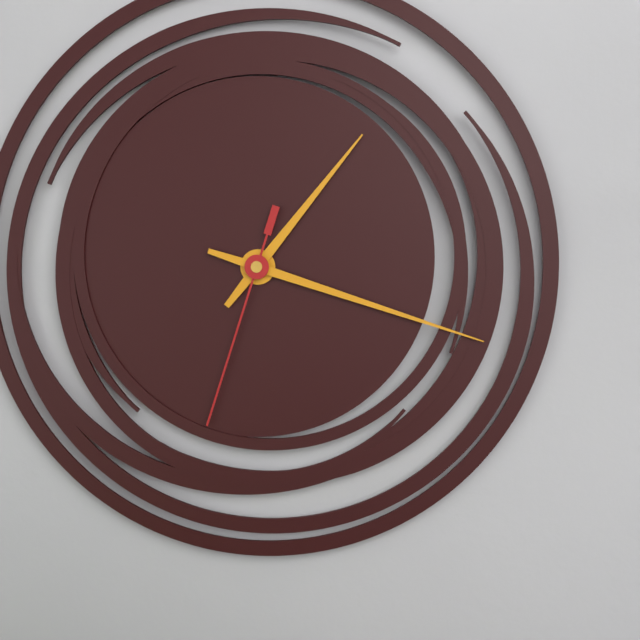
1:18:33
